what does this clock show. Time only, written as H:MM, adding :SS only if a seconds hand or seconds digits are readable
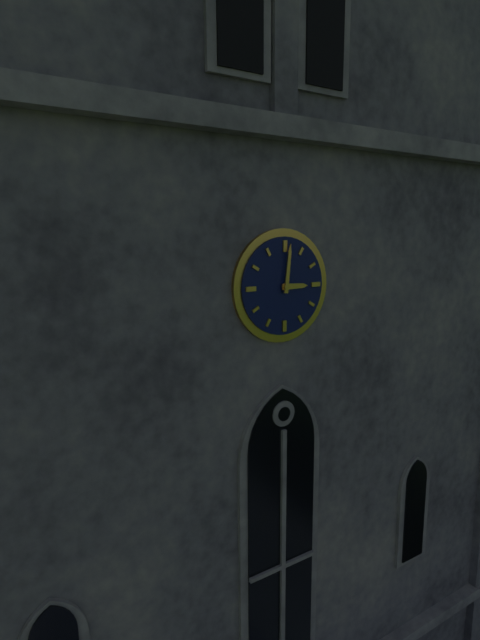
3:01
